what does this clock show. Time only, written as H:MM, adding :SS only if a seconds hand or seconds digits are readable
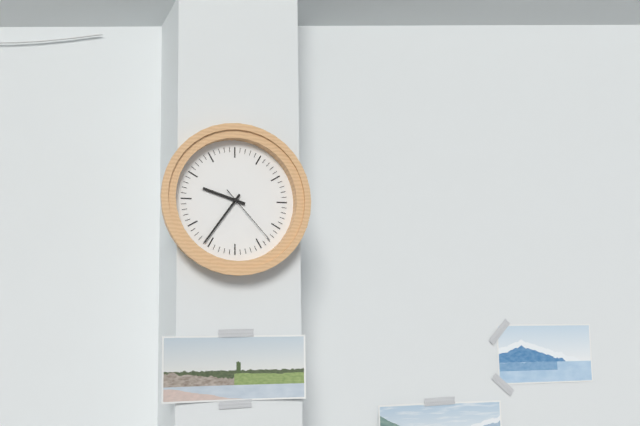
9:36:23
